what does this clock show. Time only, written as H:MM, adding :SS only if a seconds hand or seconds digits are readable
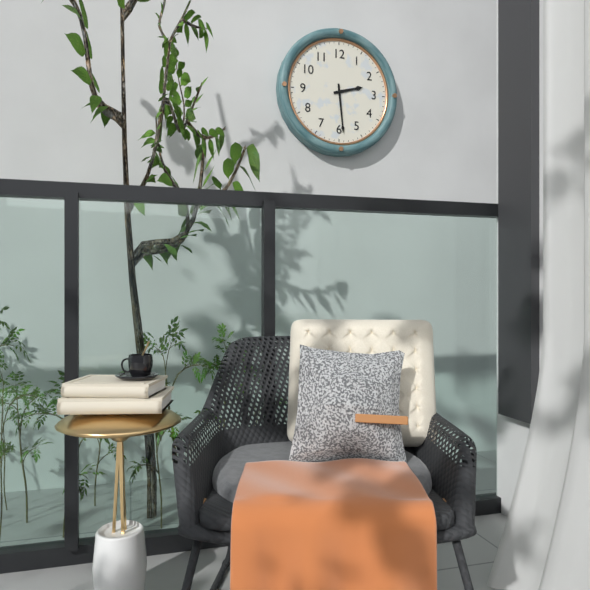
2:29
